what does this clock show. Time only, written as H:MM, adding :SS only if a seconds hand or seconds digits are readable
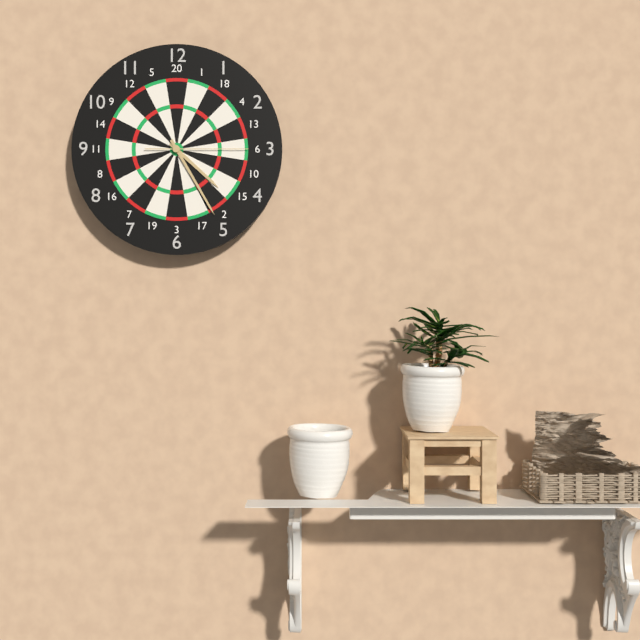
4:25:15
